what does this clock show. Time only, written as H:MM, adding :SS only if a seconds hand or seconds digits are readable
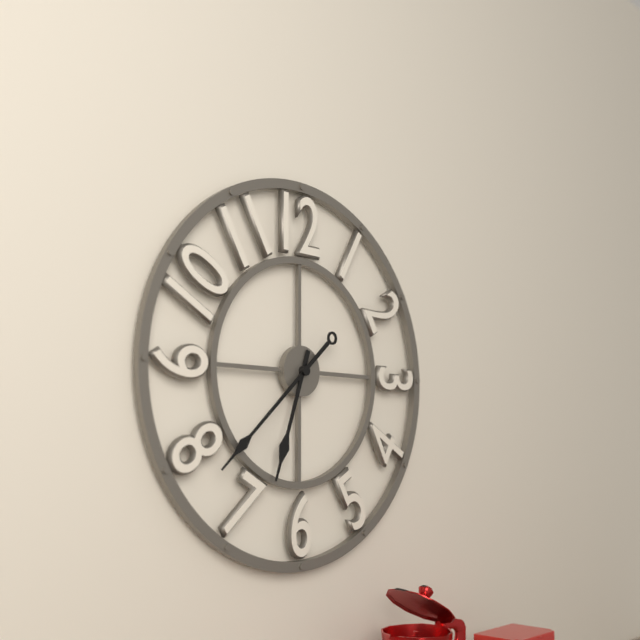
6:38
